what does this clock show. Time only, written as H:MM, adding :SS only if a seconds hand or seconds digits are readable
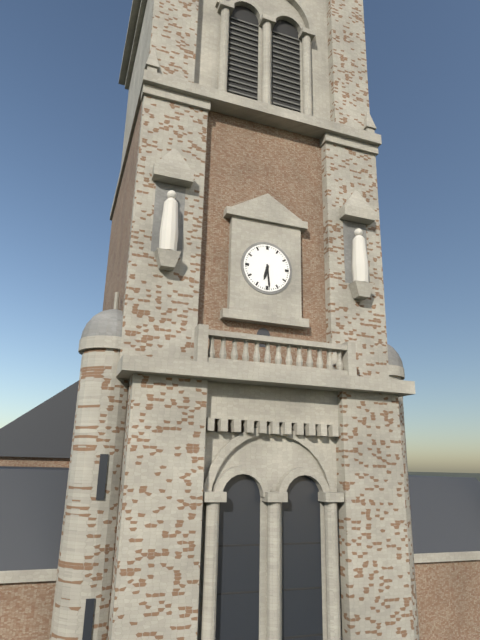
6:29
